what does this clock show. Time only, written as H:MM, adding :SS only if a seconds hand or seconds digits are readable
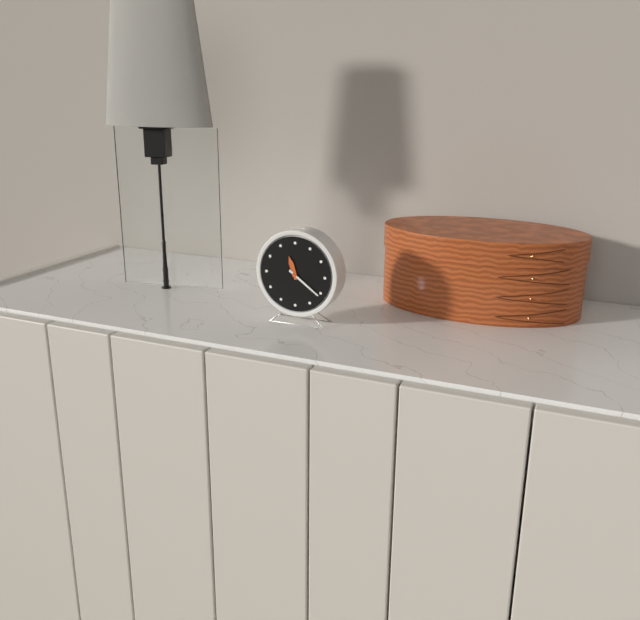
11:21
